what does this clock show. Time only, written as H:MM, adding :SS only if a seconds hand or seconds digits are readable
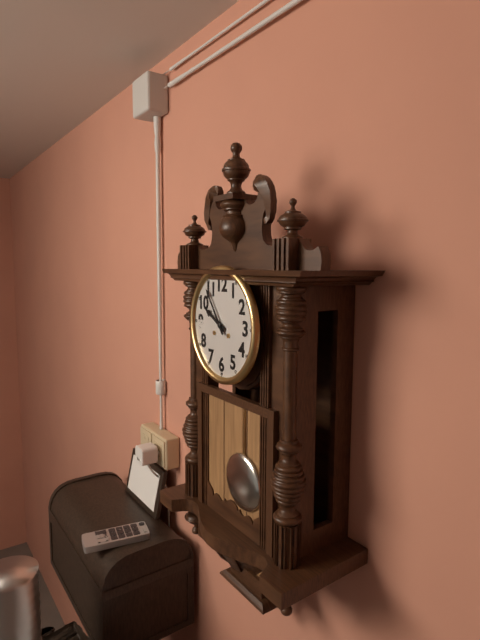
9:54
